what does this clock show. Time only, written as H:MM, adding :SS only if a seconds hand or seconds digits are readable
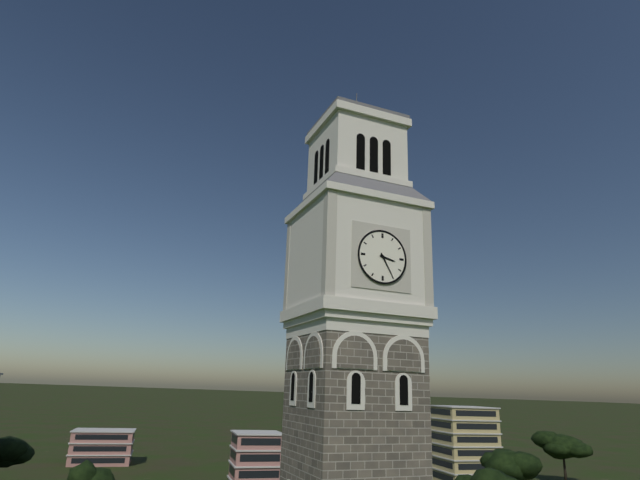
3:25
